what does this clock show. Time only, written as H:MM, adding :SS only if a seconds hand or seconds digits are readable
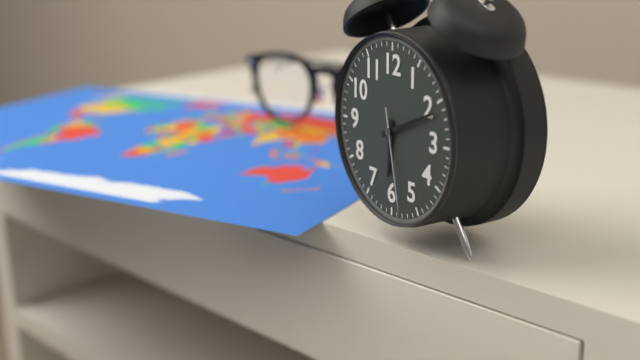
6:11:28
